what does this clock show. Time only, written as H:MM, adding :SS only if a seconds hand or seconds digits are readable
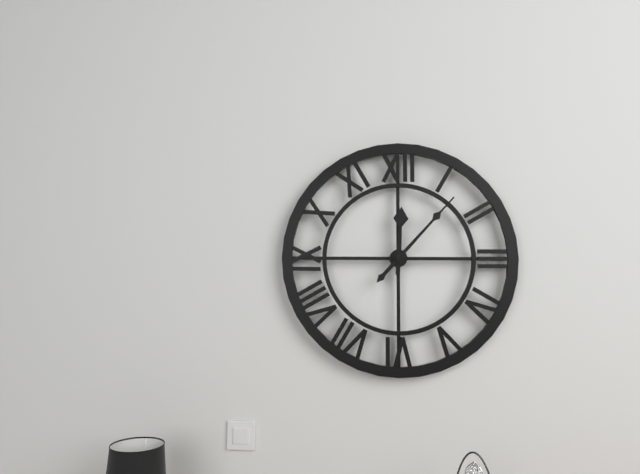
12:07
